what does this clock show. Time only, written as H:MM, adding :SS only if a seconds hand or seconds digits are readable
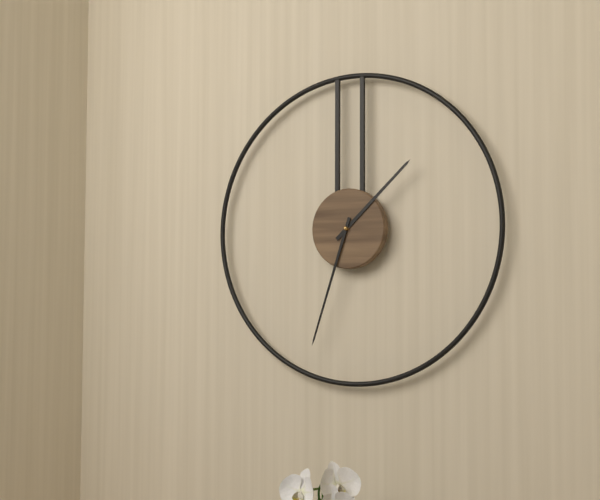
1:33
